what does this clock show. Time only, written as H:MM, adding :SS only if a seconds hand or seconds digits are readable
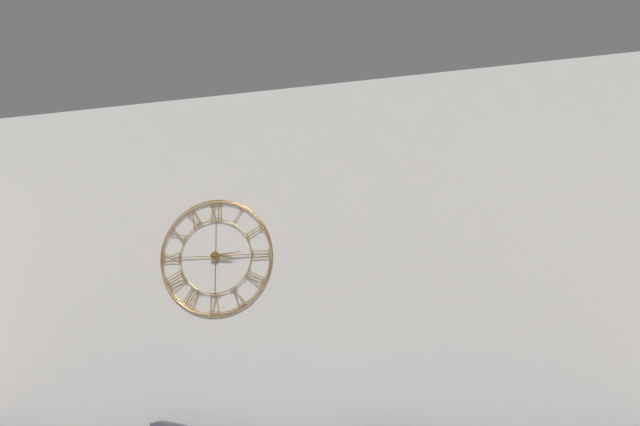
3:14
